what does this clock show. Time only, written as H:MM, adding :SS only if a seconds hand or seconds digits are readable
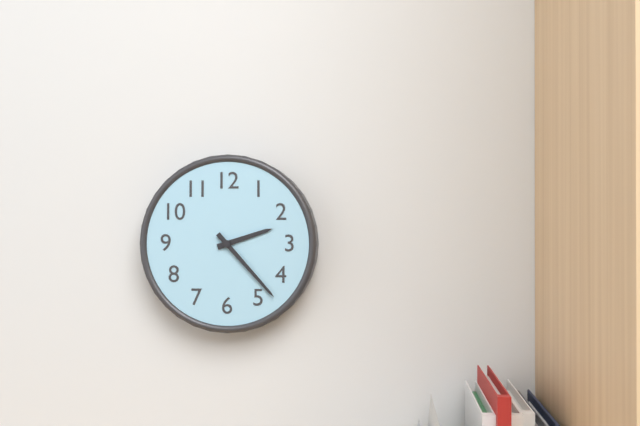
2:23
